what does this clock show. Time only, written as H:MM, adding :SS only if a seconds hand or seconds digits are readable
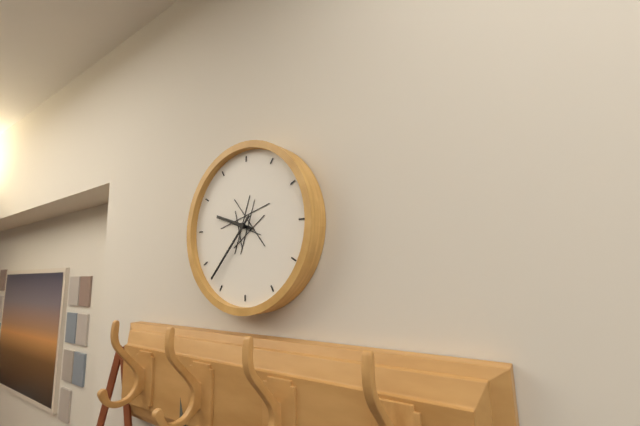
9:37
